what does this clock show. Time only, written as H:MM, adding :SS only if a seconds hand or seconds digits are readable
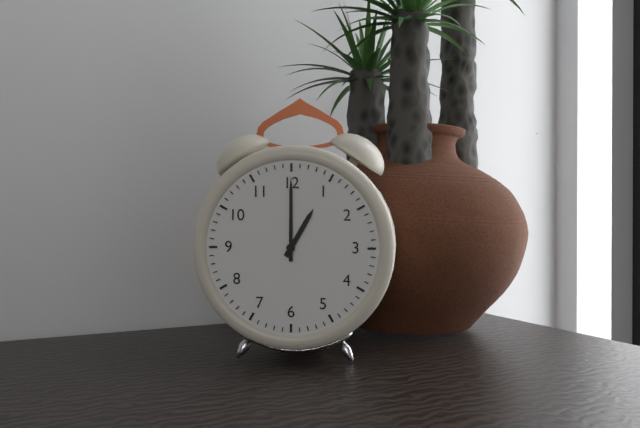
1:00
